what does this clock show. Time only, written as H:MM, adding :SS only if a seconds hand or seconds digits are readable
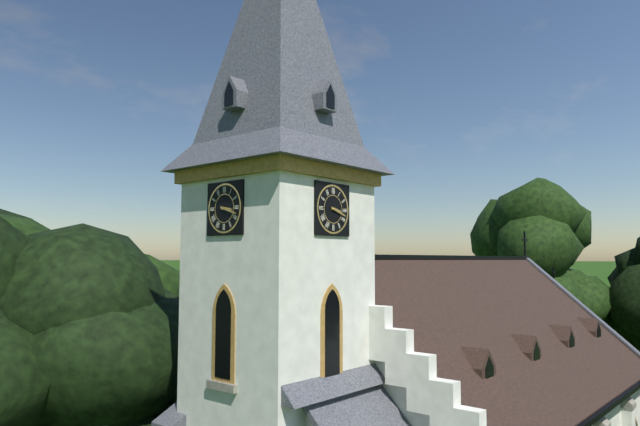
3:18
